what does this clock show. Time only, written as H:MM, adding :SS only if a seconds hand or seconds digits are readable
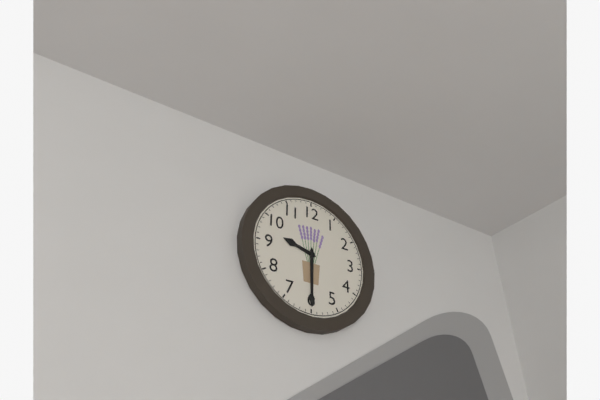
9:30
